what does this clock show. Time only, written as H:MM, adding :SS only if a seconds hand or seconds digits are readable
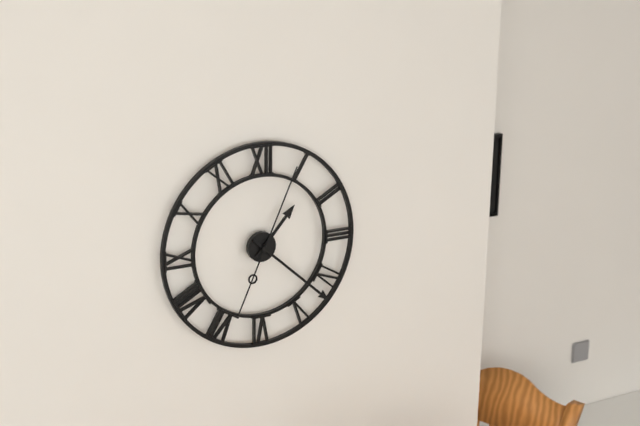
1:22:04
